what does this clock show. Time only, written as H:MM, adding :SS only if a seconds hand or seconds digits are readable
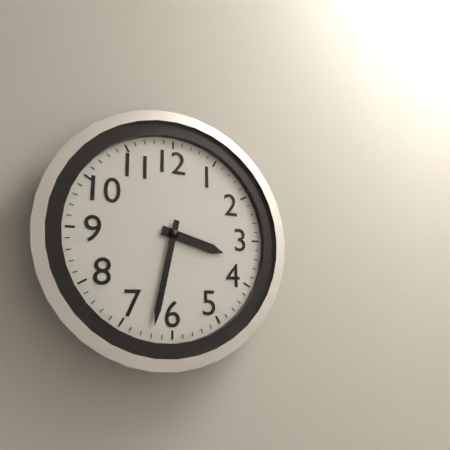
3:32
